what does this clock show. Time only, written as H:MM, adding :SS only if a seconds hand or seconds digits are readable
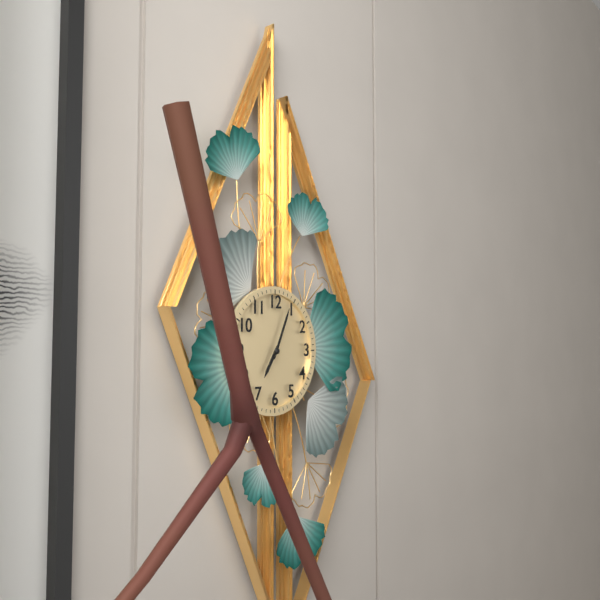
7:04
